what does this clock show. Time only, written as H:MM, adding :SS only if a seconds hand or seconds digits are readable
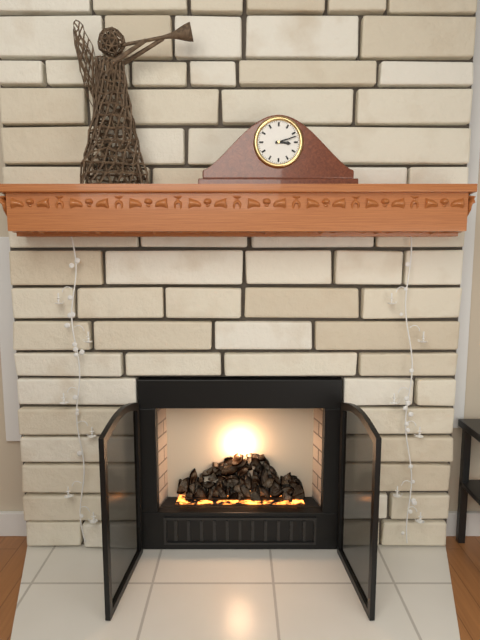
3:12
